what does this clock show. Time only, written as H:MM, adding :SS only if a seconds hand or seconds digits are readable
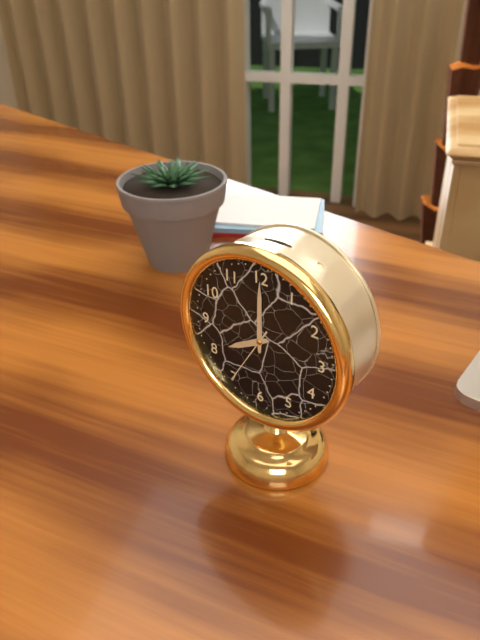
8:00:35
